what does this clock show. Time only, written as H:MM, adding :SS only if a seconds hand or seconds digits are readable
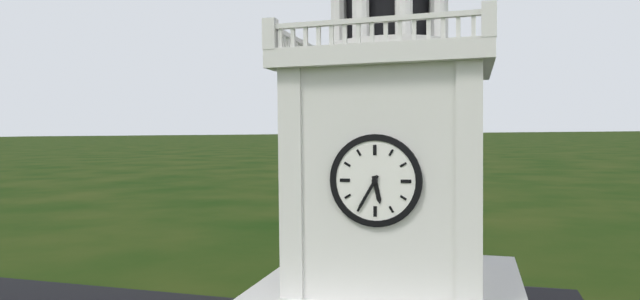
5:35
